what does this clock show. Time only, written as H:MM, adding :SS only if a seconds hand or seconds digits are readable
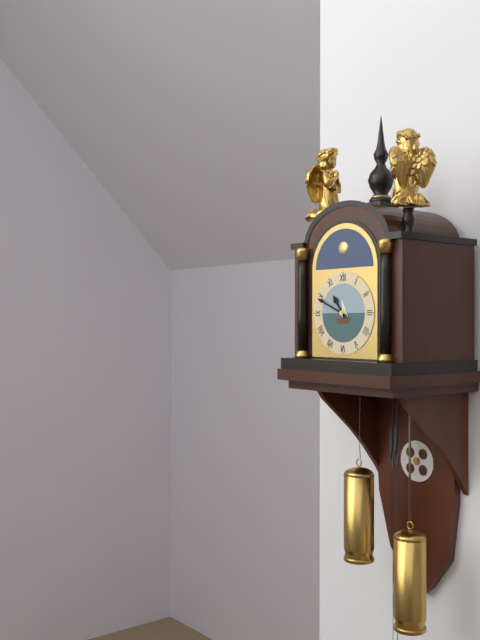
10:49
